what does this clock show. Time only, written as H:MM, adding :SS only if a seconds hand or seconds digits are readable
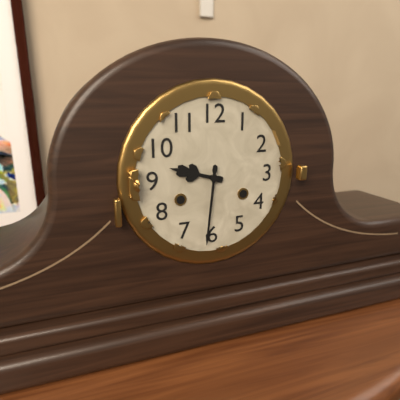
9:31
